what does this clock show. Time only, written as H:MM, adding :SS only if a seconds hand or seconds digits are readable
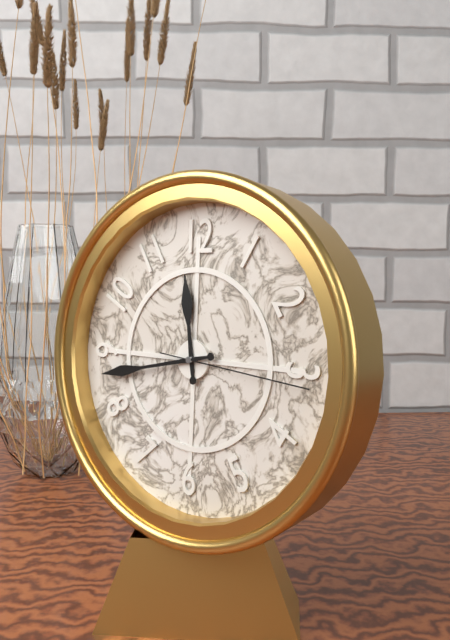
11:43:16
